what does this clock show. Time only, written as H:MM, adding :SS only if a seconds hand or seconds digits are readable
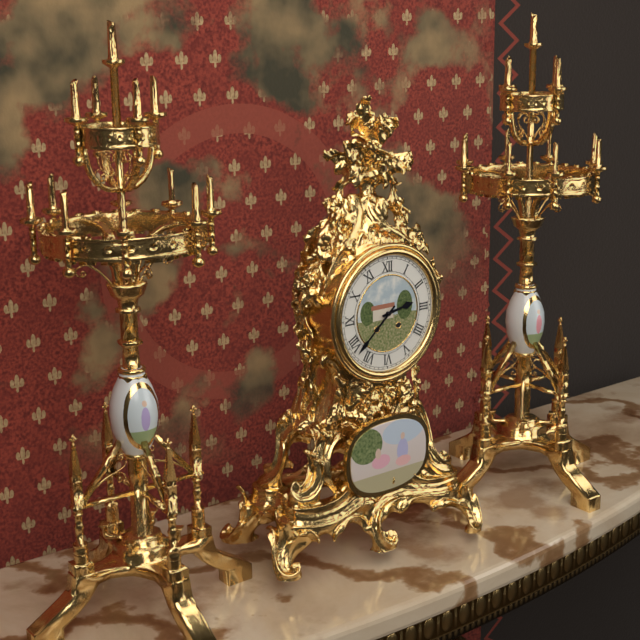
2:38
